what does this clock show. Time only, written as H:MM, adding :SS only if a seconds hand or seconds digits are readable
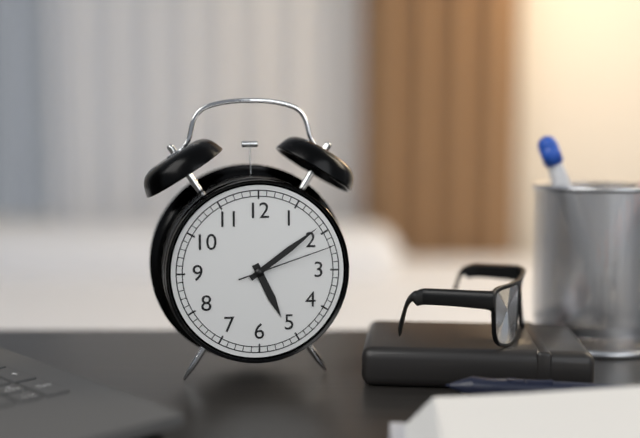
5:09:12
